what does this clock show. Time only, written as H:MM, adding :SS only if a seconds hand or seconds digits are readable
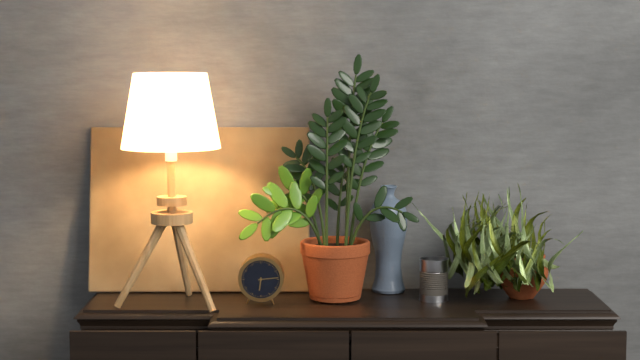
6:14
